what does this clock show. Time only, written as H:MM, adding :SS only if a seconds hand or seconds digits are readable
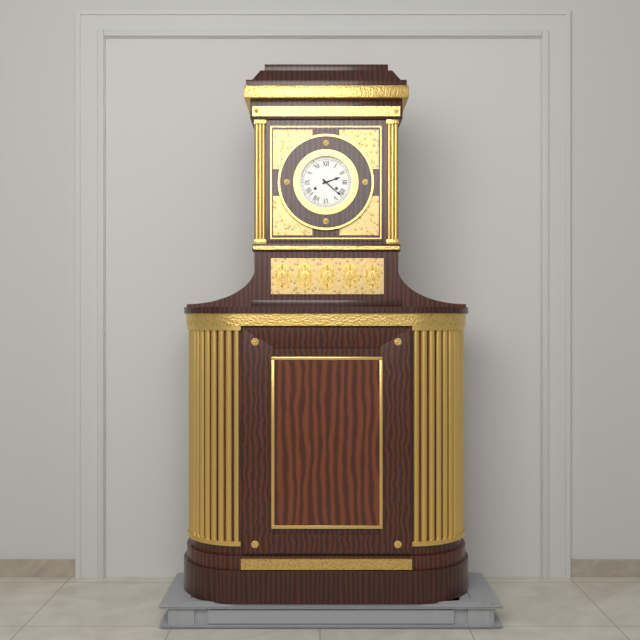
2:22
